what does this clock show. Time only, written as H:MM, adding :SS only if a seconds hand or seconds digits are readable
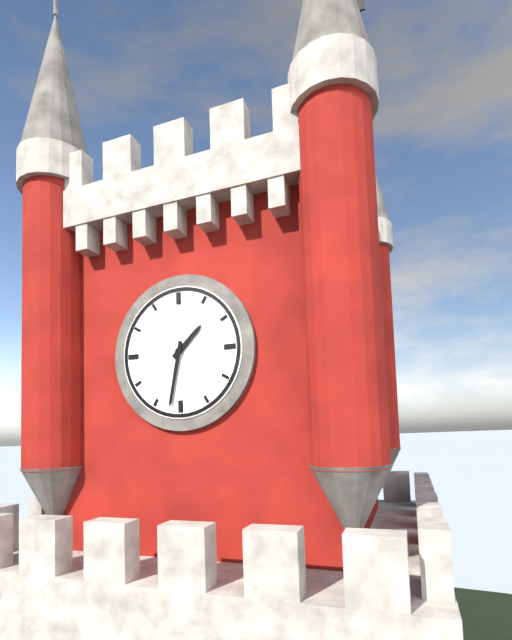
1:32
